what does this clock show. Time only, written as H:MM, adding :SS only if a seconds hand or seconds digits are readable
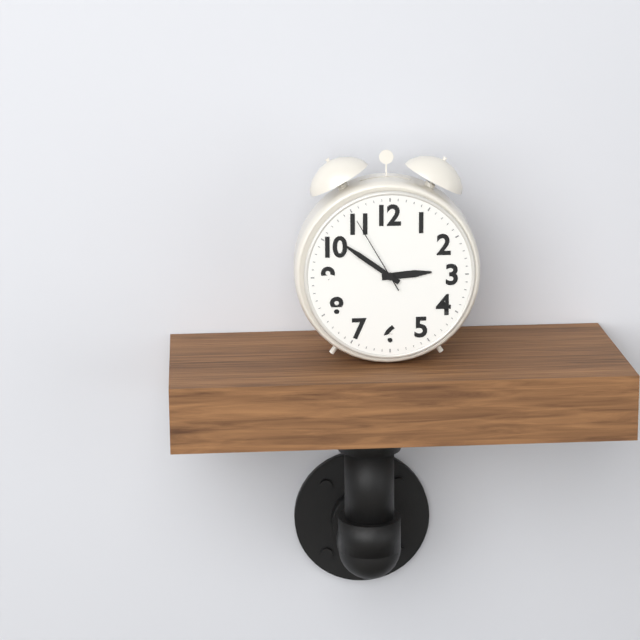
2:51:55
